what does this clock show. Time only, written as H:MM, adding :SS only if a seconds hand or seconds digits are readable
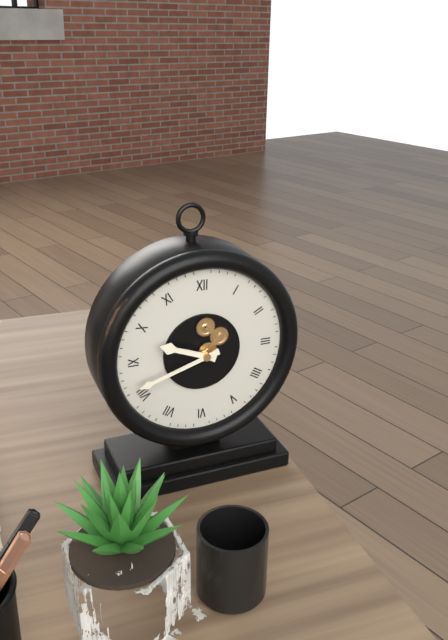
9:42
